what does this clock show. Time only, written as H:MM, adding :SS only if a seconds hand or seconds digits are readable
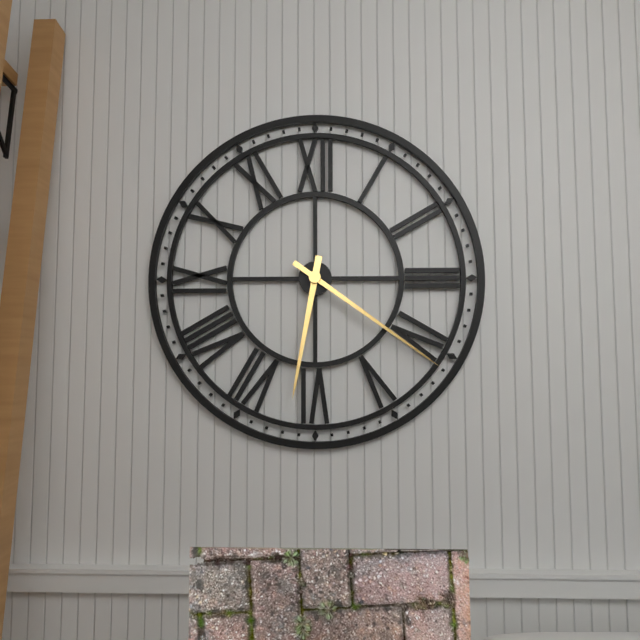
6:21
